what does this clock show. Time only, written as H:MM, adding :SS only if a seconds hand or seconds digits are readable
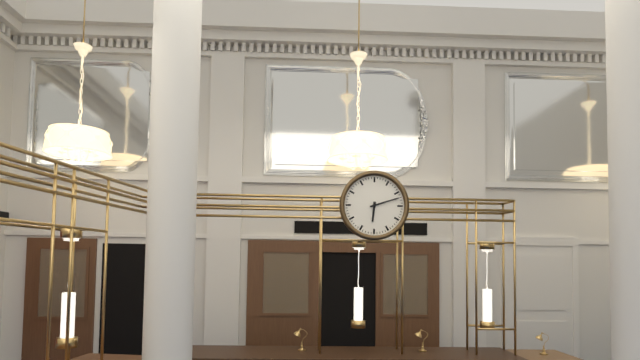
6:12
